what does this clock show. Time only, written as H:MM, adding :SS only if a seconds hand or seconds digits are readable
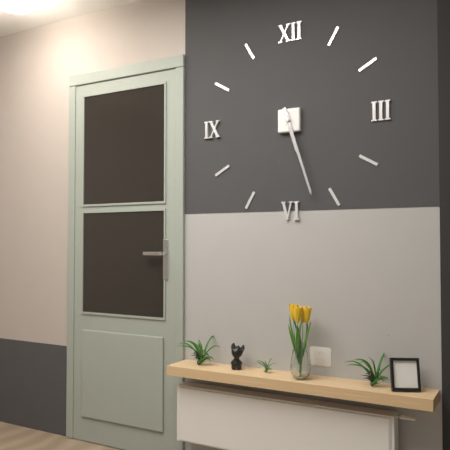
5:27
